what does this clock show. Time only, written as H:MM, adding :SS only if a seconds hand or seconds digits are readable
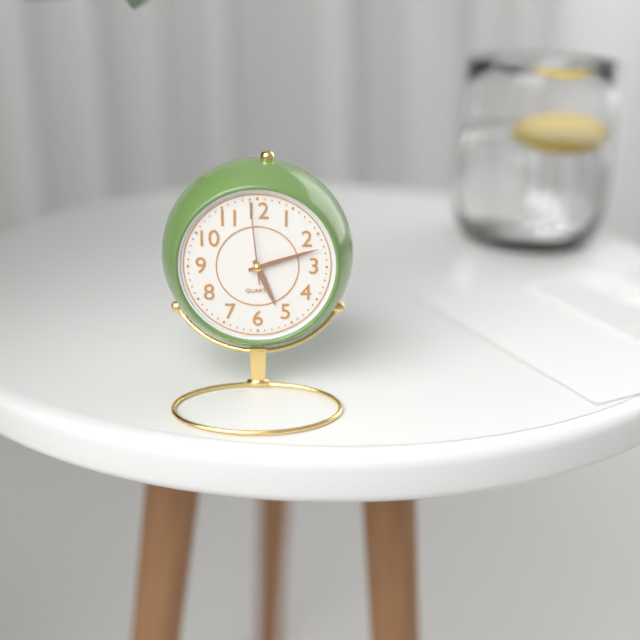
5:12:59
